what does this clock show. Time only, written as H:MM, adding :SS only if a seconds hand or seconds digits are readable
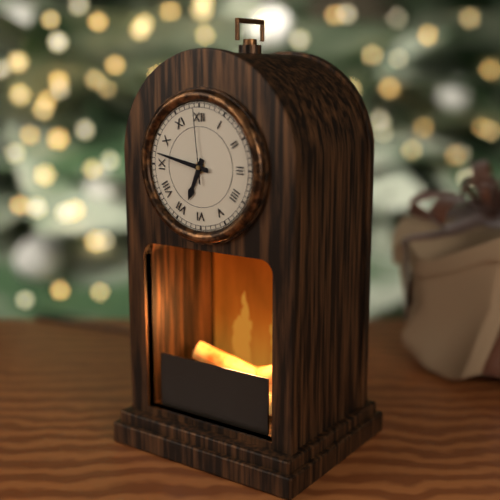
6:47:59
